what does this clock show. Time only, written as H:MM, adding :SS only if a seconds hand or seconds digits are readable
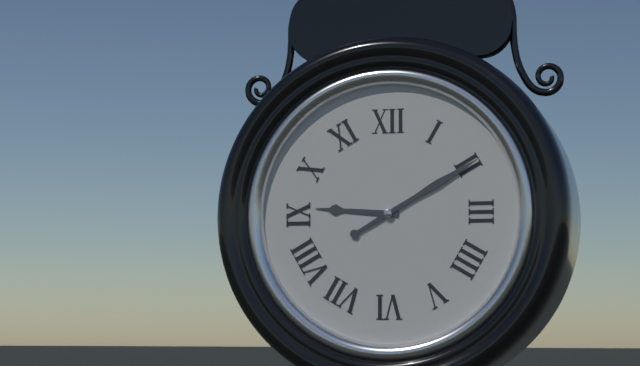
9:10
